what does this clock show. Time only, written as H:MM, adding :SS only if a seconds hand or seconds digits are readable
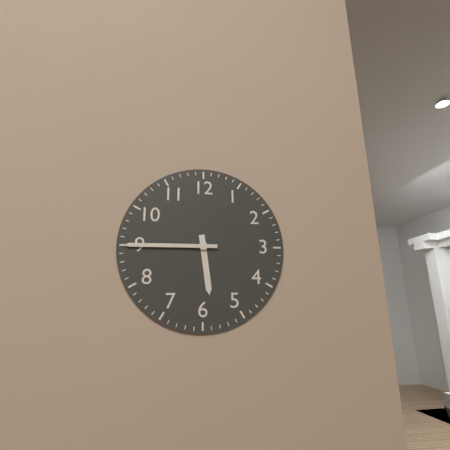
5:45
